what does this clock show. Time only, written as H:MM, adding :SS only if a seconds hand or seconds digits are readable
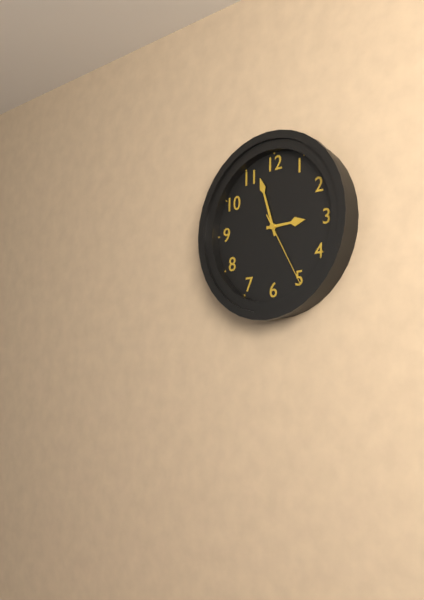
2:57:25
